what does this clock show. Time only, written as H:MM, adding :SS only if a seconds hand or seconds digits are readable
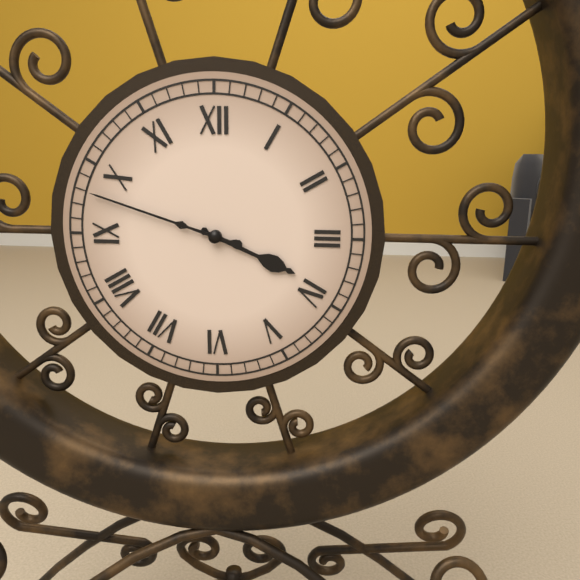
3:48
